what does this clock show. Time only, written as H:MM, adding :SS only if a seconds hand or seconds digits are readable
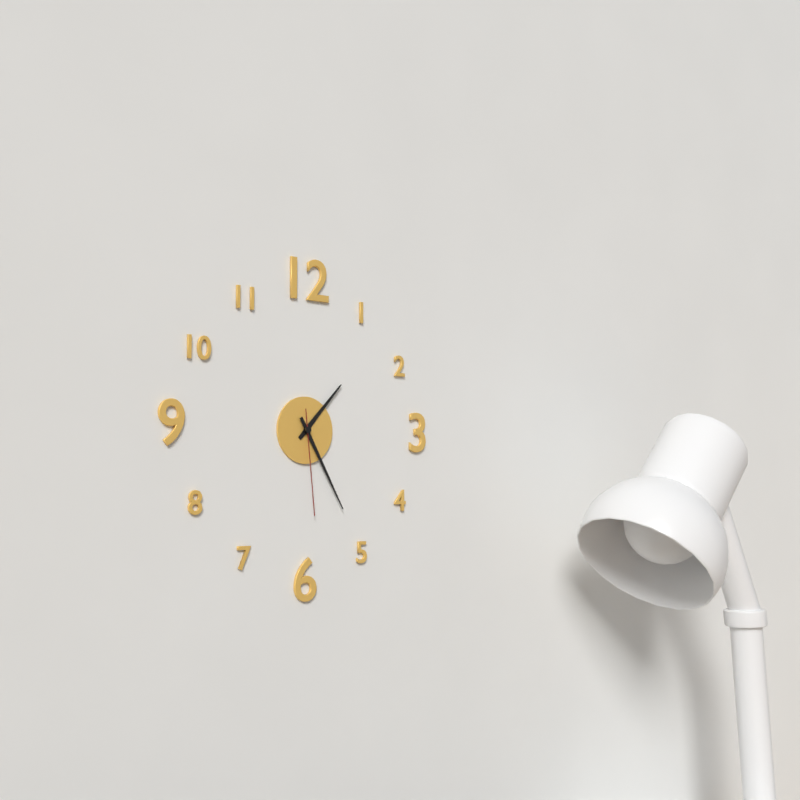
1:25:29
